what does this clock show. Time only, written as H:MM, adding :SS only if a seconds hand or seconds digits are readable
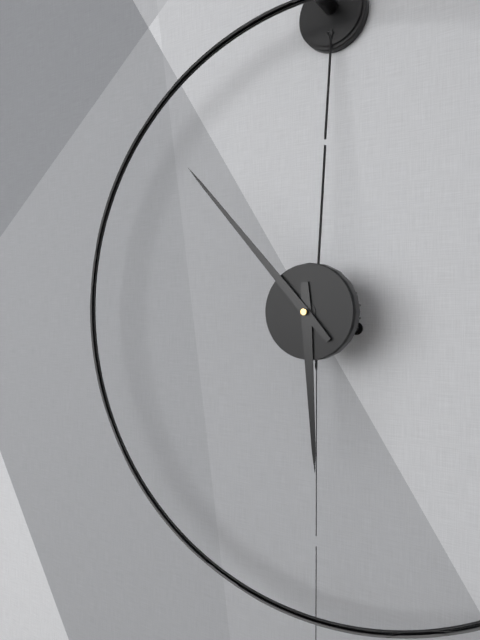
5:53
